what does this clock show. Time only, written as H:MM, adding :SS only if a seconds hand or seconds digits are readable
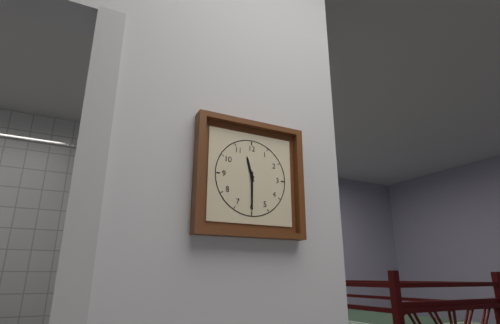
11:30
